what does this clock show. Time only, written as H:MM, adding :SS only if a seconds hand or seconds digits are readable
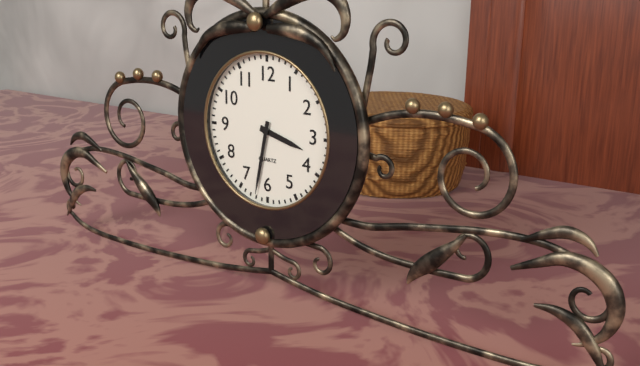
3:32
